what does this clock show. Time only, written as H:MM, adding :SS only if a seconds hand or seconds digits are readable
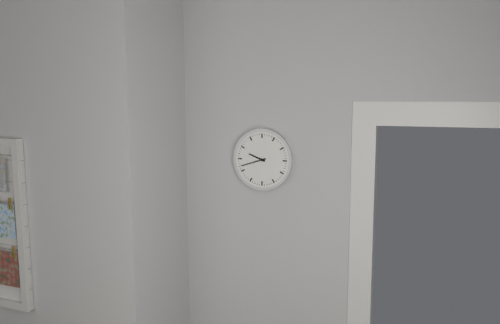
9:42
